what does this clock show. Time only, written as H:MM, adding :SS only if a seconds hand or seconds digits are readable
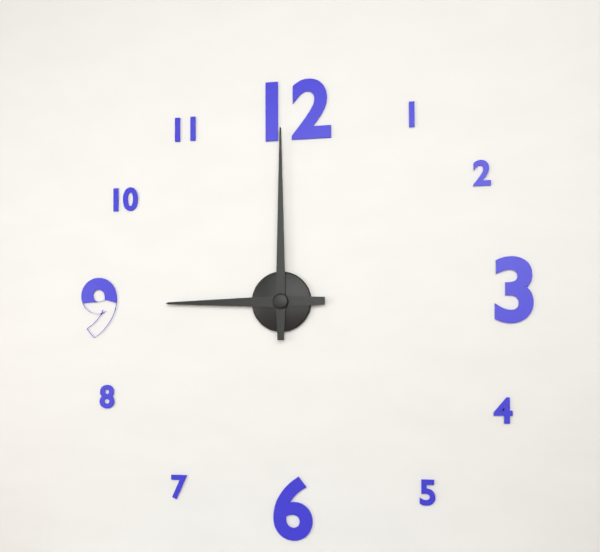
9:00
